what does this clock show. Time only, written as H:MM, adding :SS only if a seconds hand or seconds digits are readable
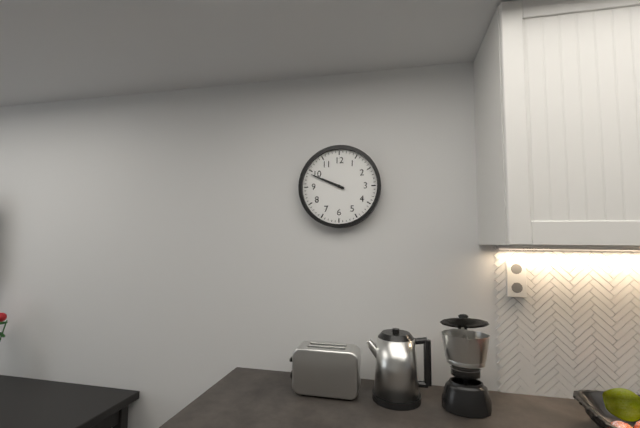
9:49
